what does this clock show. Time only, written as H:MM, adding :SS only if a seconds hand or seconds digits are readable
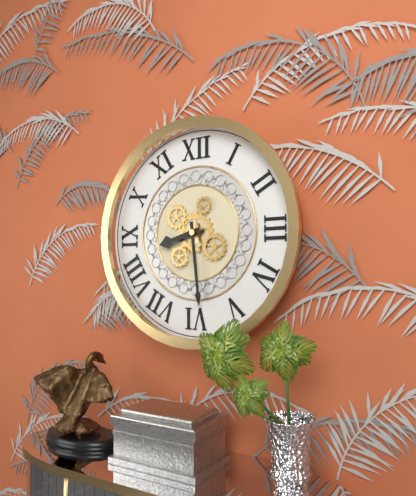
8:29
